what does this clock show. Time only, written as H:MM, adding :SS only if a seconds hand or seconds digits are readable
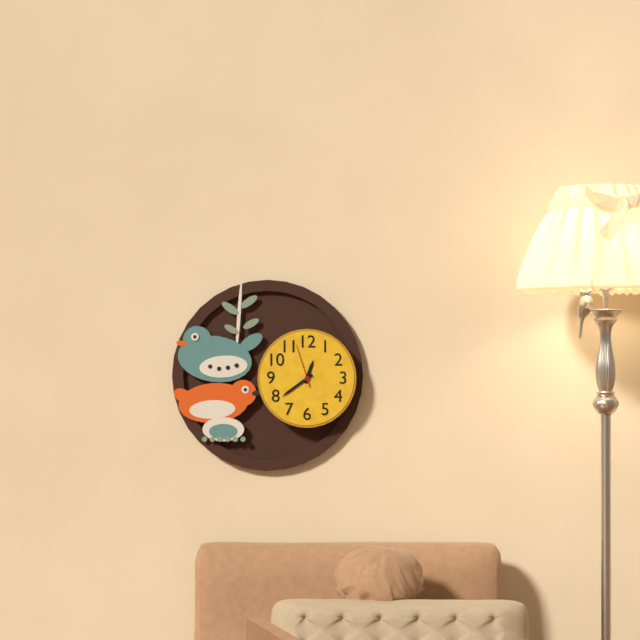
12:39
